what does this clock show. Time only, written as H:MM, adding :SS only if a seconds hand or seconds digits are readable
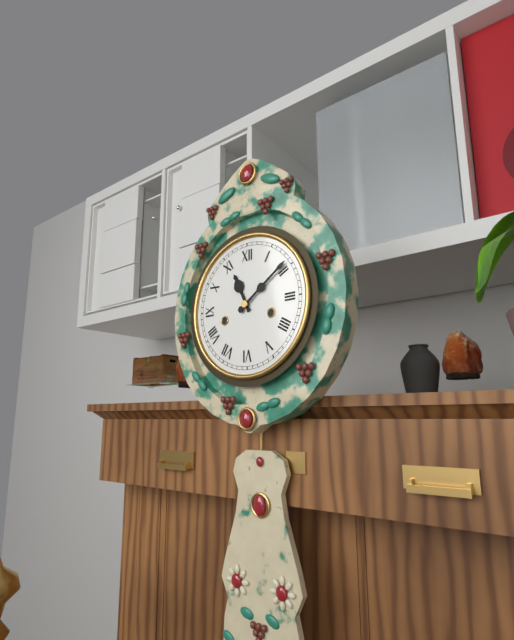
11:09
